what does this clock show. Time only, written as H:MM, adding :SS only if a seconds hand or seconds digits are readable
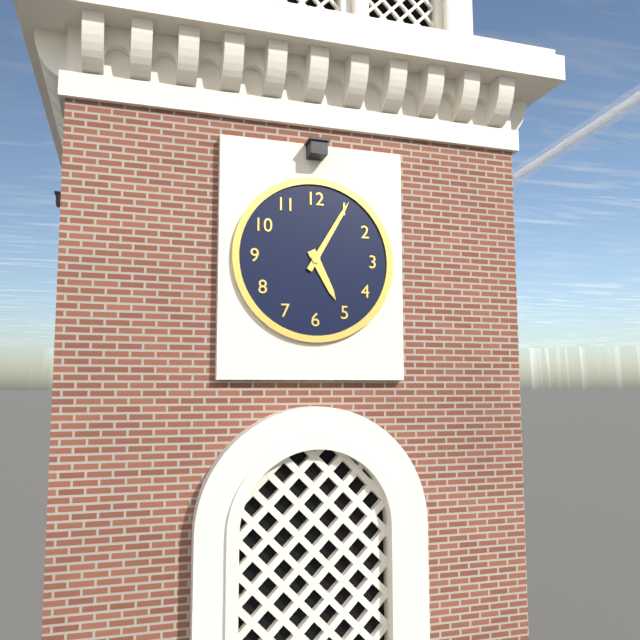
5:05
